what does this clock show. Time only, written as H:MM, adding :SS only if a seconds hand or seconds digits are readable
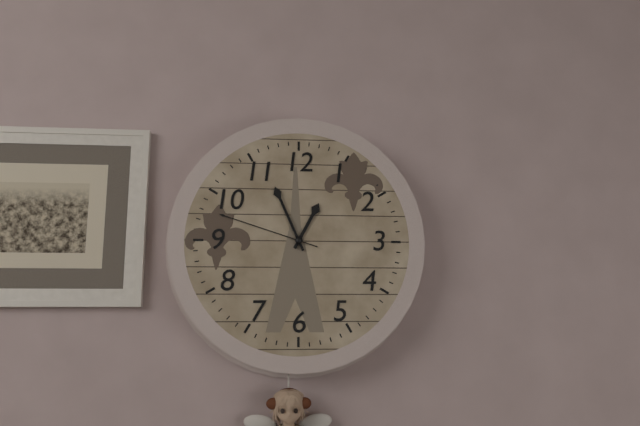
12:56:48
